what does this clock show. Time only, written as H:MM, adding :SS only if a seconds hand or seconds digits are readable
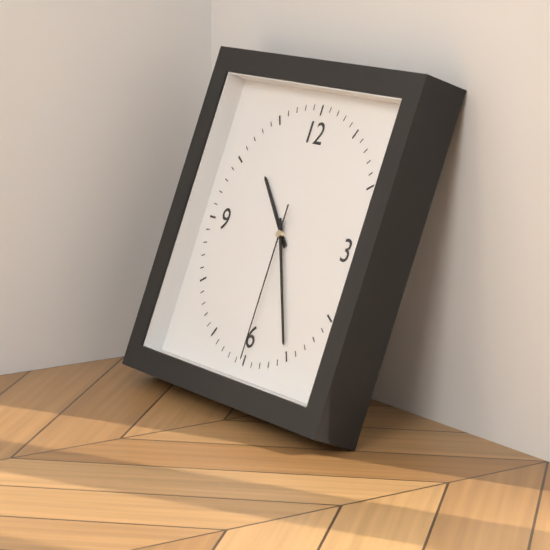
10:25:30
